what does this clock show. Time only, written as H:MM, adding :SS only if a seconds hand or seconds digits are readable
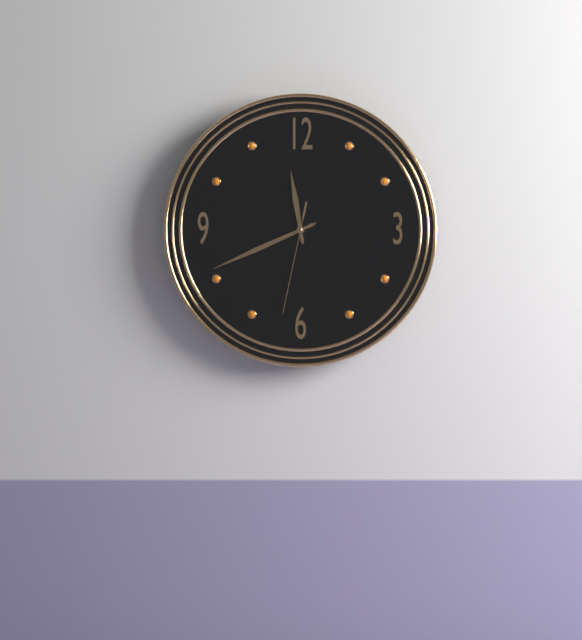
11:41:32
